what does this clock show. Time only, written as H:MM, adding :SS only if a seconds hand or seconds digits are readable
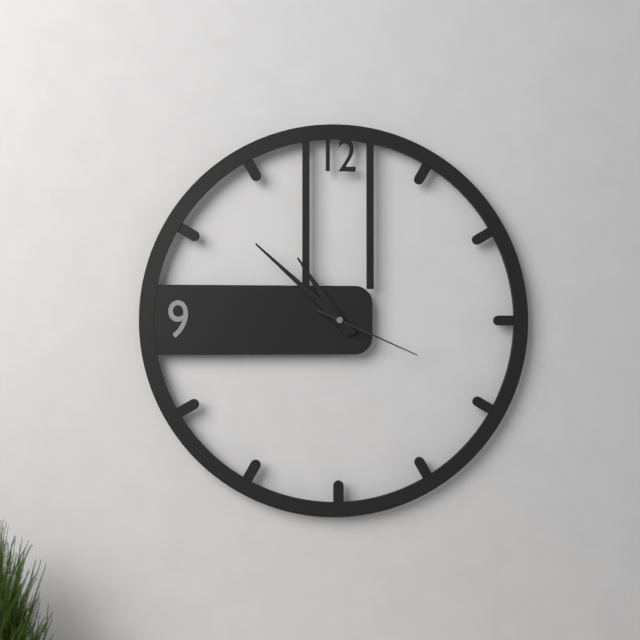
10:52:19
